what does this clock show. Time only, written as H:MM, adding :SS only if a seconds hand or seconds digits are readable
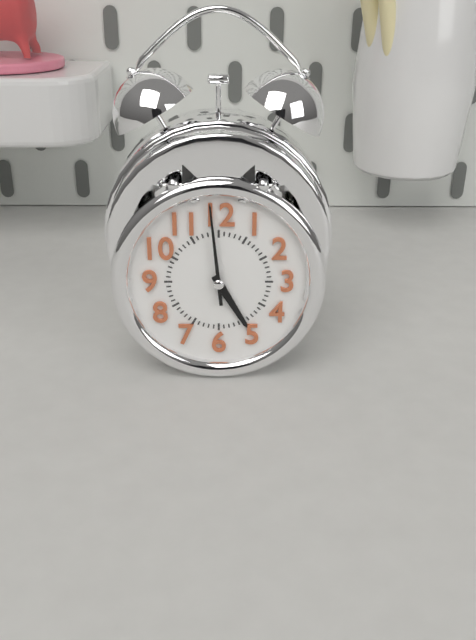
4:59
